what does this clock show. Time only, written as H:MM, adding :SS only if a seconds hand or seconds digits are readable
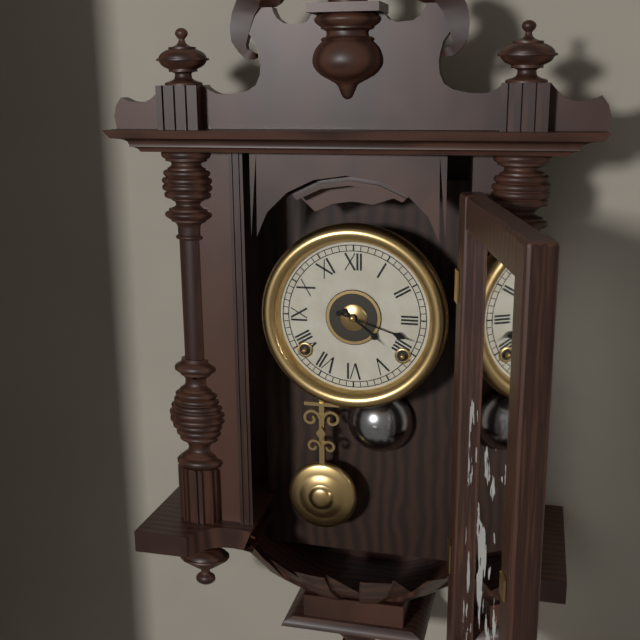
4:18
